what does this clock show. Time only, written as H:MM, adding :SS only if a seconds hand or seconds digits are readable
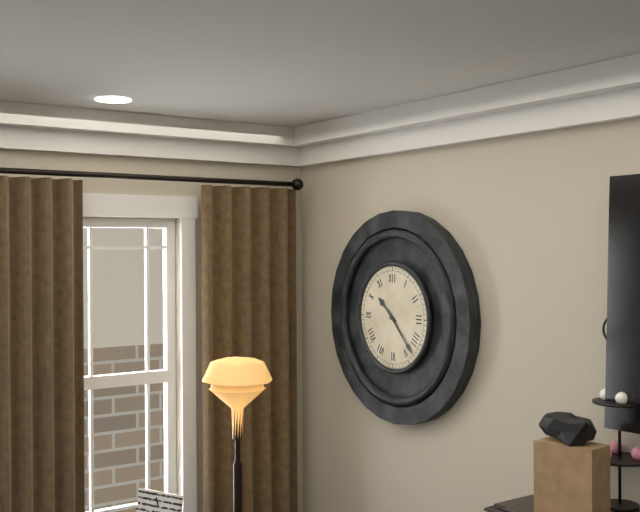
10:23
